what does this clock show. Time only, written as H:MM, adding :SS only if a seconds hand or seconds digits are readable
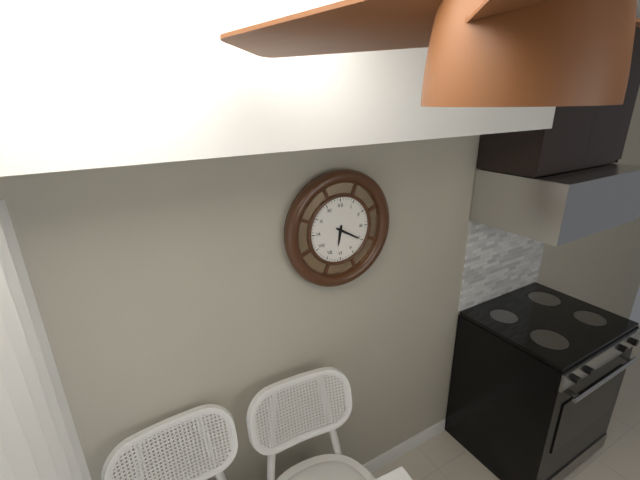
6:20
